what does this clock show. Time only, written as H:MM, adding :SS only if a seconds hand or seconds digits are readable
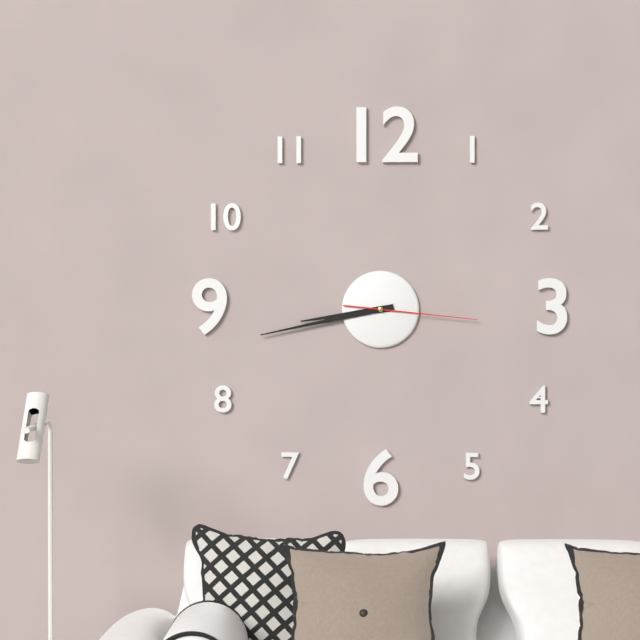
8:43:16
